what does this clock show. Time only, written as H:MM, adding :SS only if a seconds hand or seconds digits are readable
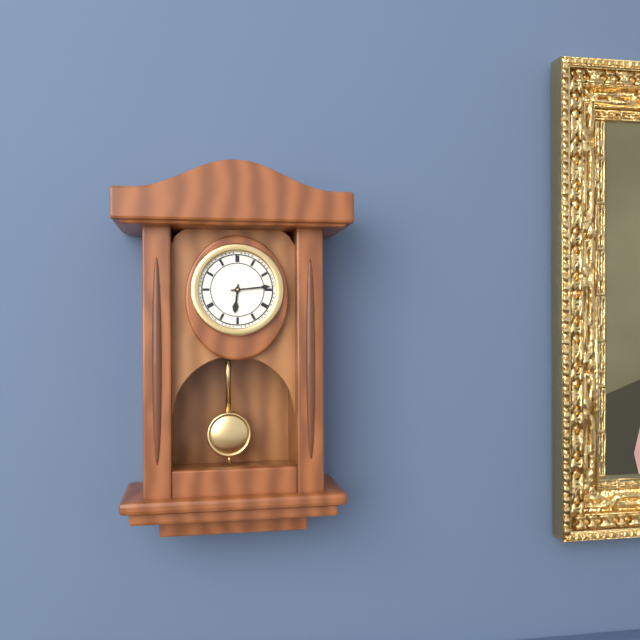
6:14
